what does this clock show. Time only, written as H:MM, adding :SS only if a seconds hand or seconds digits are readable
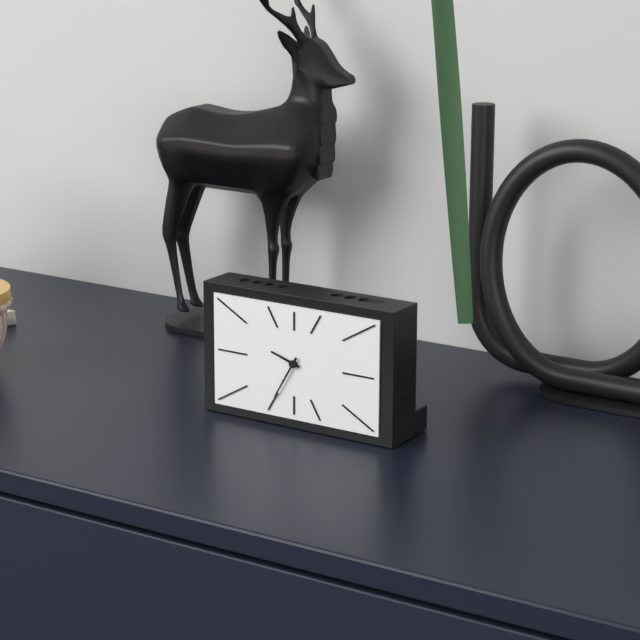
9:35
